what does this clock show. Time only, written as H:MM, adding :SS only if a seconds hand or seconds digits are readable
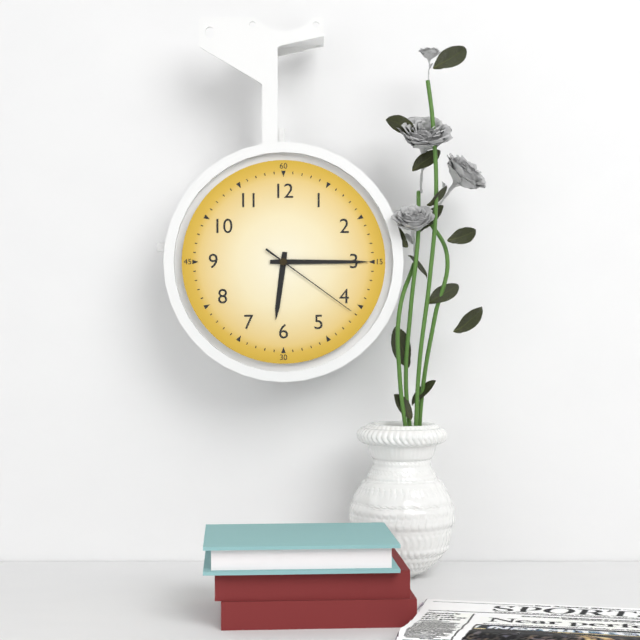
6:15:21
